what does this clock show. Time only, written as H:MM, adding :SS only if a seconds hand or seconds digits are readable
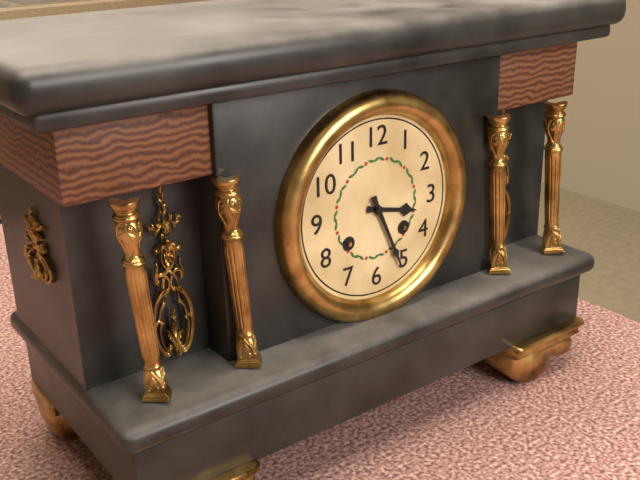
3:26
